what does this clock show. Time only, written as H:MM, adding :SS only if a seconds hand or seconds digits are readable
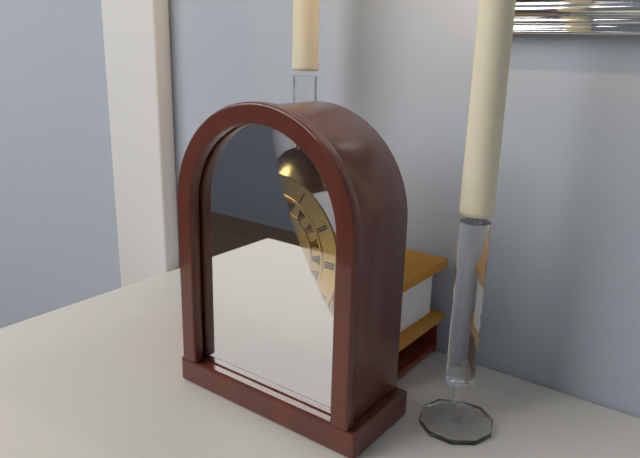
6:34
